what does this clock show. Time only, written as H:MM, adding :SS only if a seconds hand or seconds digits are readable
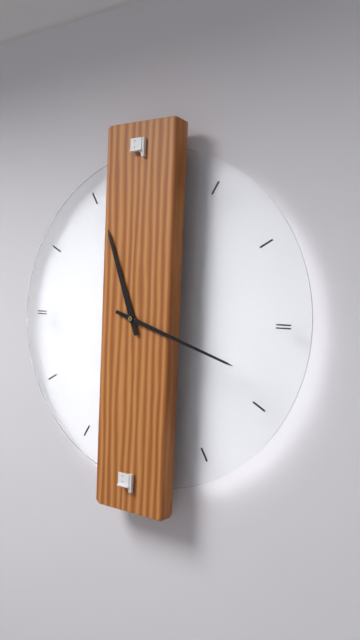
11:18
